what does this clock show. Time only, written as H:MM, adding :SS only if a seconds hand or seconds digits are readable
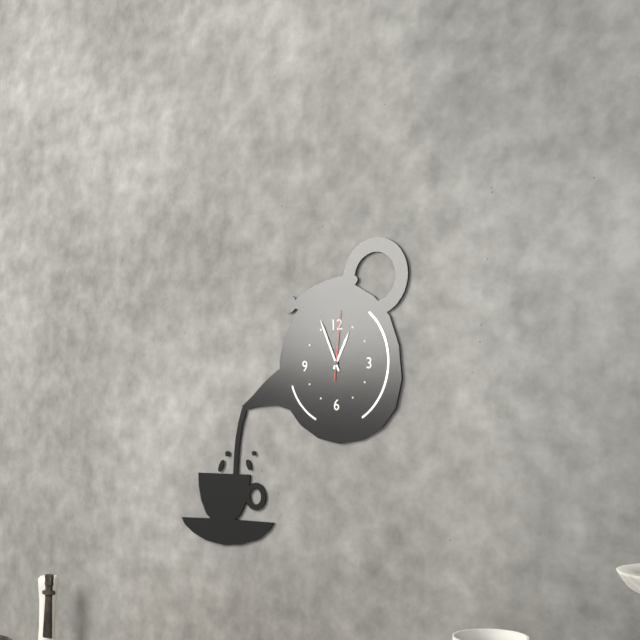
12:56:01
